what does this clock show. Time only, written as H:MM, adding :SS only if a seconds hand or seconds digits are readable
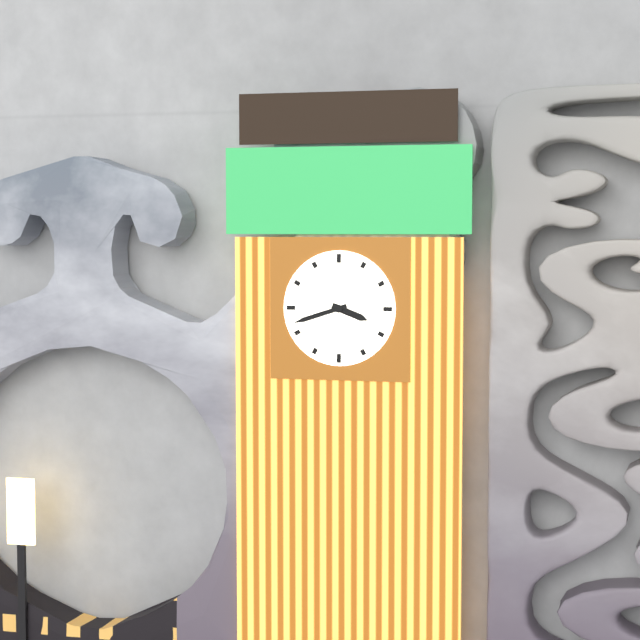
3:42
